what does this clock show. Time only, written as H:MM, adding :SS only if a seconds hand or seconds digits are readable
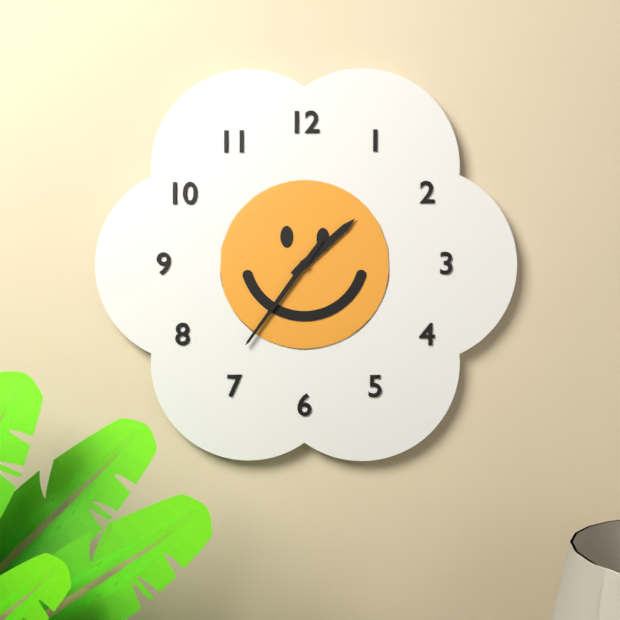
1:36
